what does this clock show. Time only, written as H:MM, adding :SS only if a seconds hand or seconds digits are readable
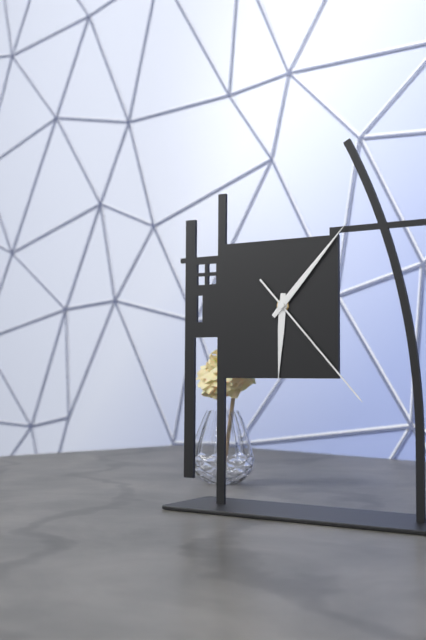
6:07:23
